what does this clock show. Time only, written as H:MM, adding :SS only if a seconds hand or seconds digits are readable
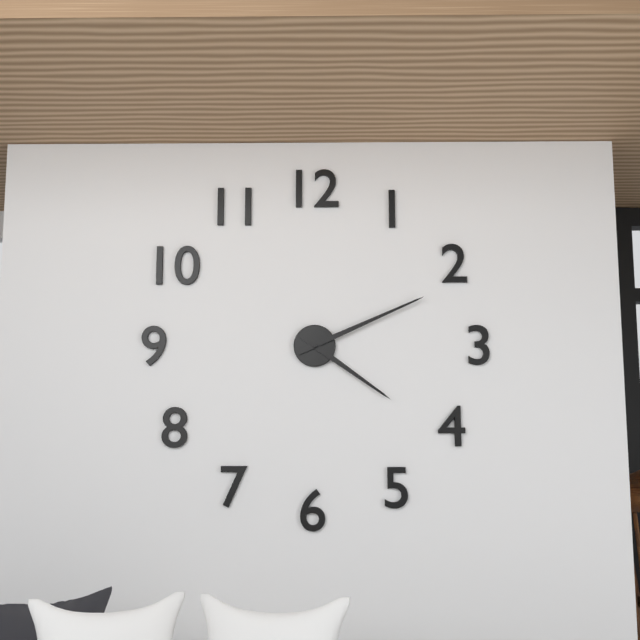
4:11
